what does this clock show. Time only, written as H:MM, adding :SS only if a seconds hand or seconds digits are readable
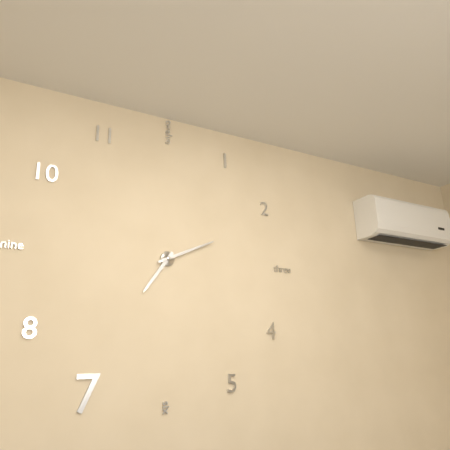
7:11
